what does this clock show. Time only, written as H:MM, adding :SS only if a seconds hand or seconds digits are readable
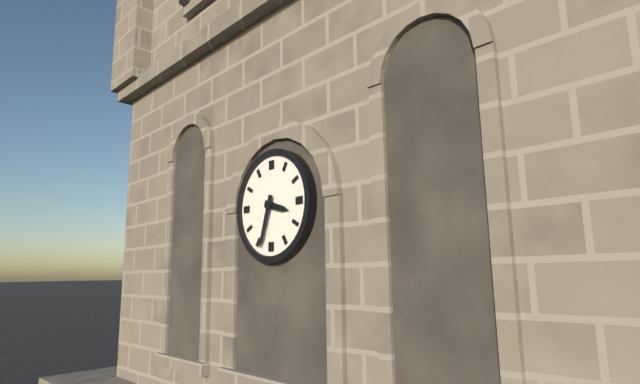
3:33
